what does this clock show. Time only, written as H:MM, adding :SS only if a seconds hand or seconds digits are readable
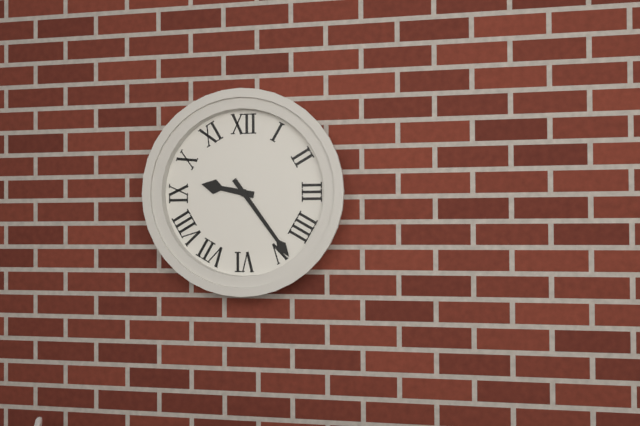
9:24
